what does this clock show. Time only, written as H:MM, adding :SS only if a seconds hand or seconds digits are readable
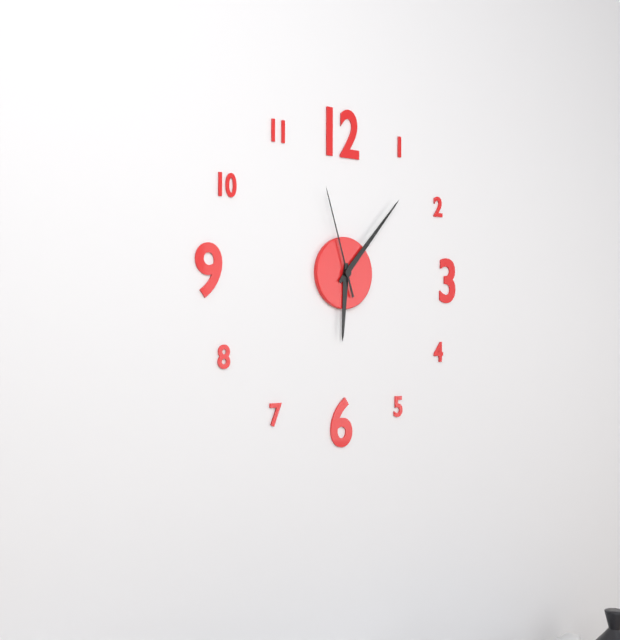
6:07:57
